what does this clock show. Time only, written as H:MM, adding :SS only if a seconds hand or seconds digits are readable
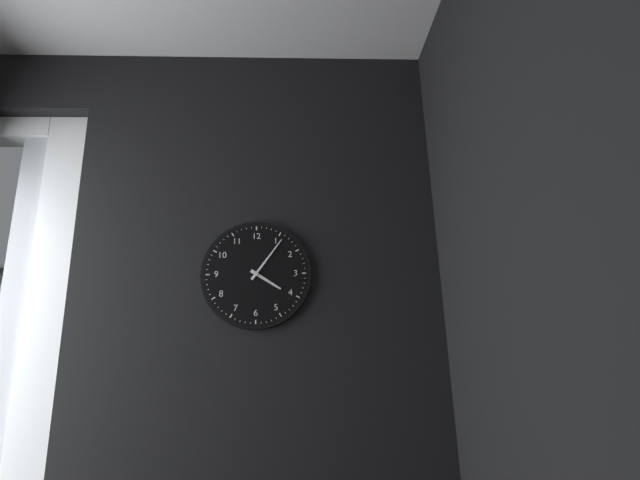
4:06
